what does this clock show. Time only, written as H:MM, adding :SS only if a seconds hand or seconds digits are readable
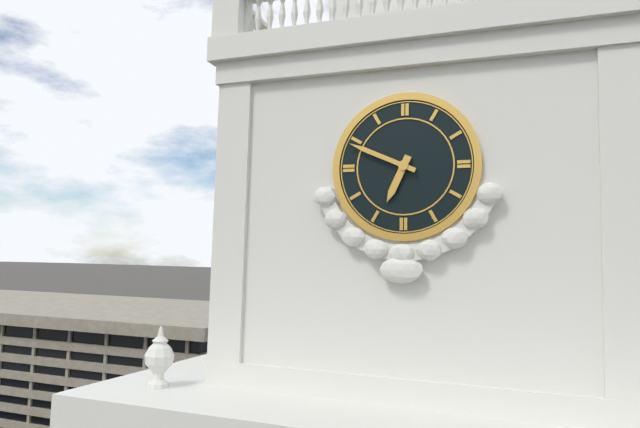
6:49
